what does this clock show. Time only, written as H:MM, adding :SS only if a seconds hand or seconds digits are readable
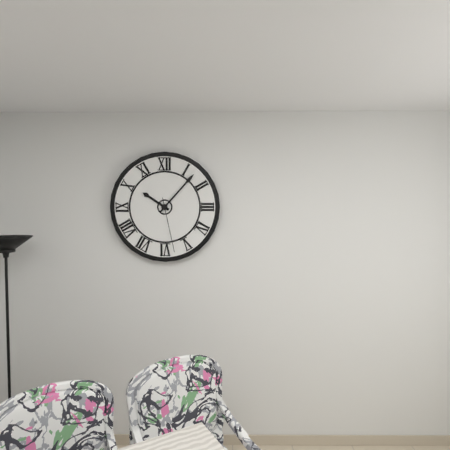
10:07:28
